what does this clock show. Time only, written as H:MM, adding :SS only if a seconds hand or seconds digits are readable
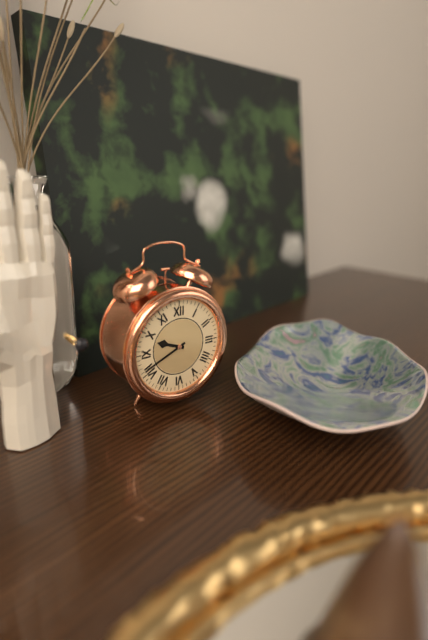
9:41
